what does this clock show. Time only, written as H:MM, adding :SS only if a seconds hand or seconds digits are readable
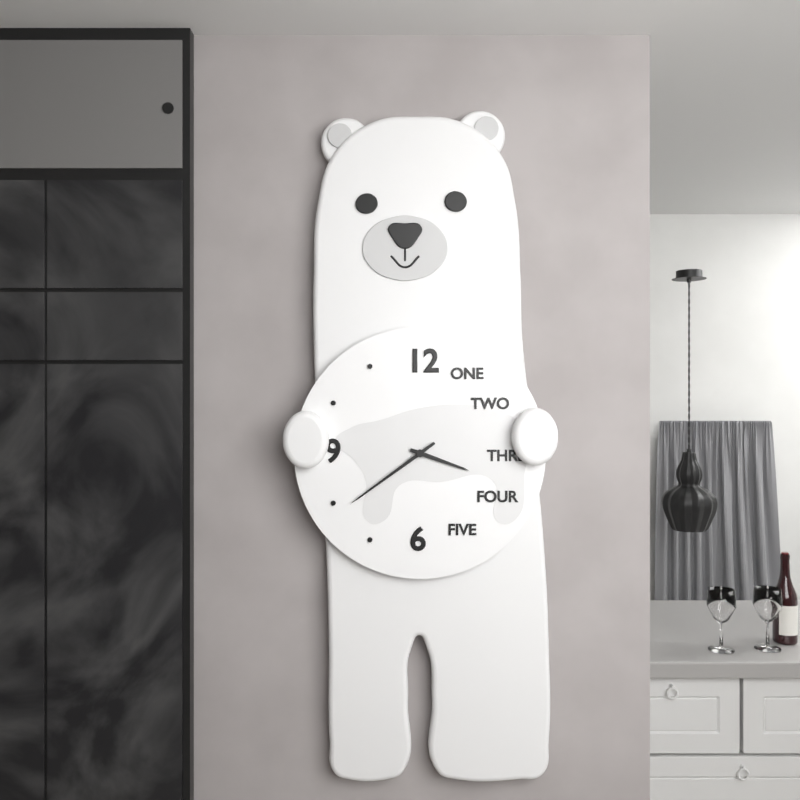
3:39
